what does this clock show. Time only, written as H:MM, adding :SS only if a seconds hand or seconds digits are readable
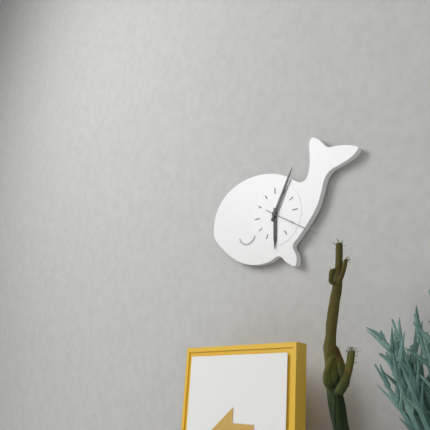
6:05:20
